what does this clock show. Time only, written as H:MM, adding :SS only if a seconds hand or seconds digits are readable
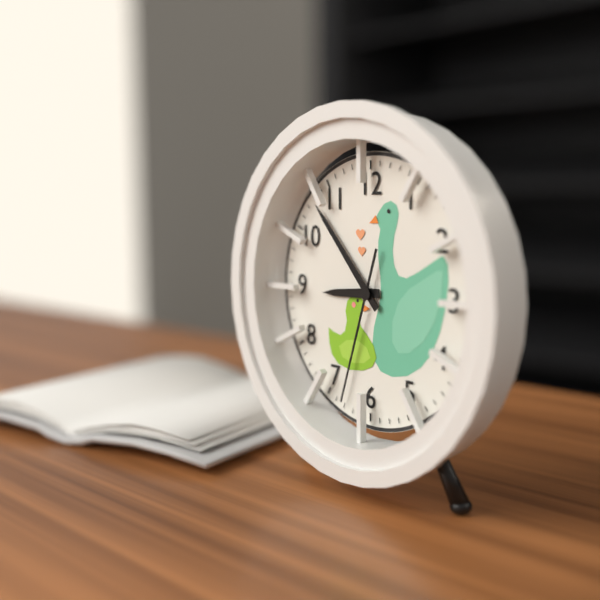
8:53:33
